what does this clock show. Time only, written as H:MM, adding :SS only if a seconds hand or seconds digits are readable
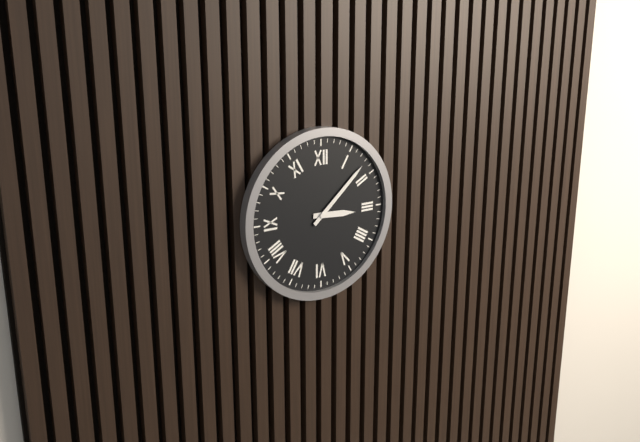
3:08
